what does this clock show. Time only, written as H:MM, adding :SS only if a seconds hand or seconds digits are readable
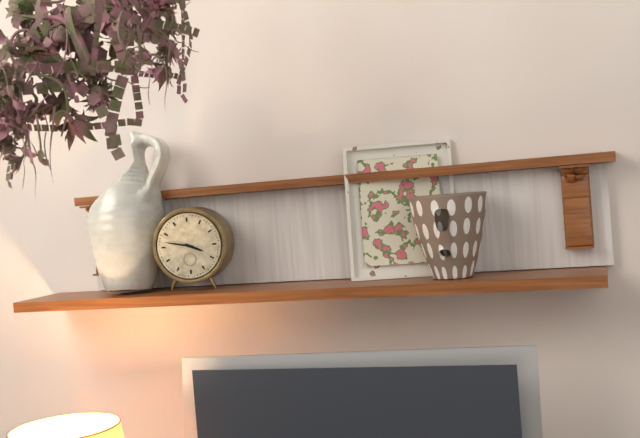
3:47
